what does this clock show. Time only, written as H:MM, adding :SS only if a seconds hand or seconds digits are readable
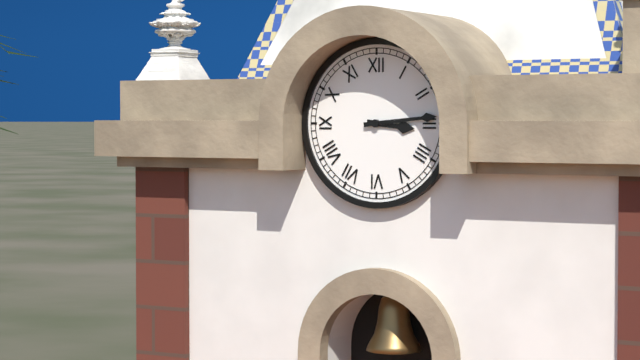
3:14
